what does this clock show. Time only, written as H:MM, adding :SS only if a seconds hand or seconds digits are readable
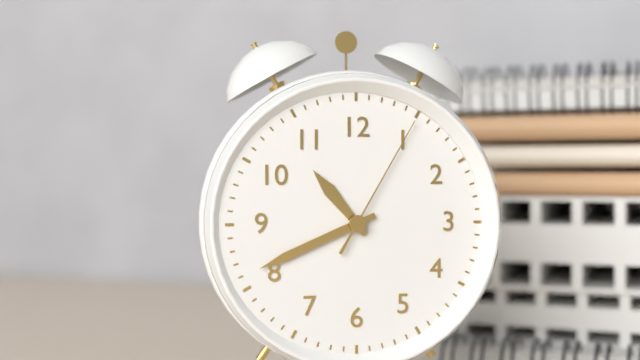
10:41:05
